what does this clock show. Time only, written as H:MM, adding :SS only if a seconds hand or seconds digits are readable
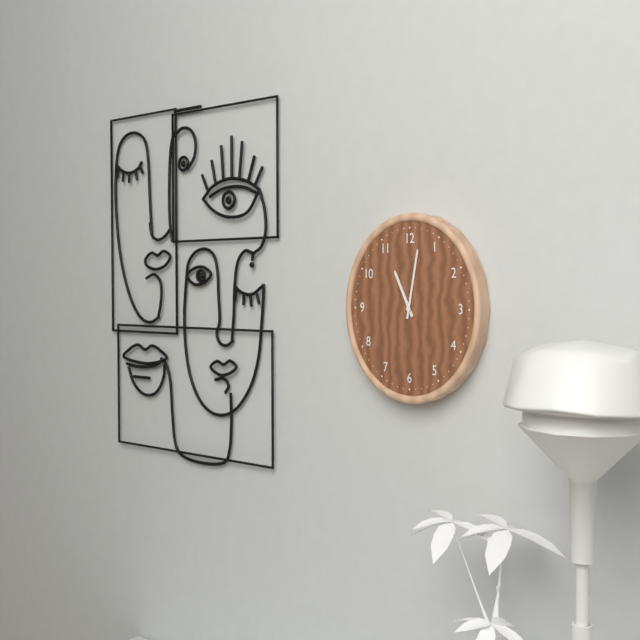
11:02
